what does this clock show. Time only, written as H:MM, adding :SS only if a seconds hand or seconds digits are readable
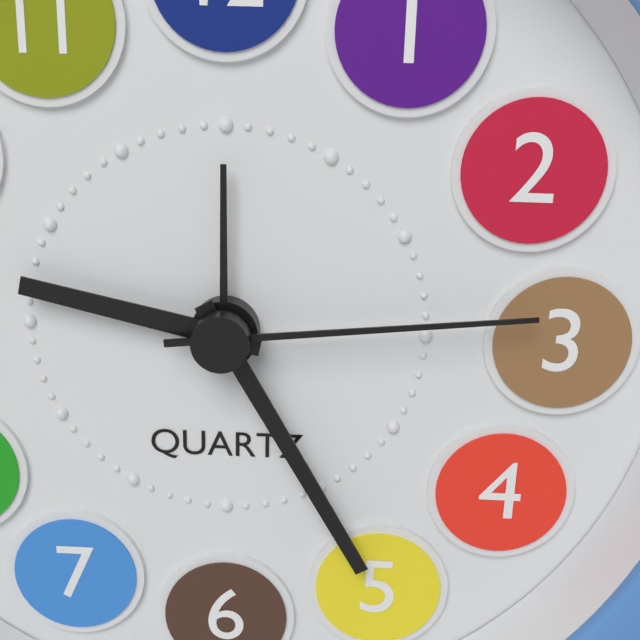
9:25:14
